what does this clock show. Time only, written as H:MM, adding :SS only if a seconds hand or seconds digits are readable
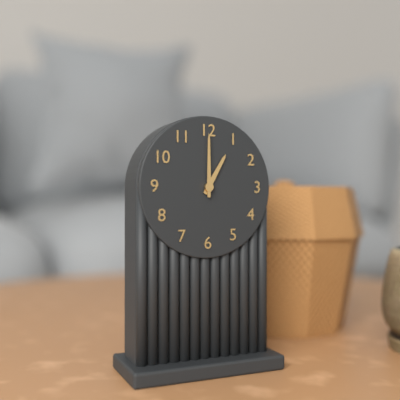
1:00
